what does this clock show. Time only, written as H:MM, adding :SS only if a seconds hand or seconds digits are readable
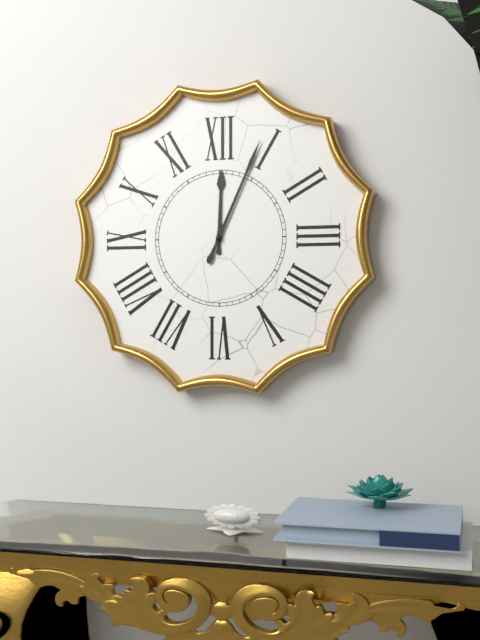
12:04
